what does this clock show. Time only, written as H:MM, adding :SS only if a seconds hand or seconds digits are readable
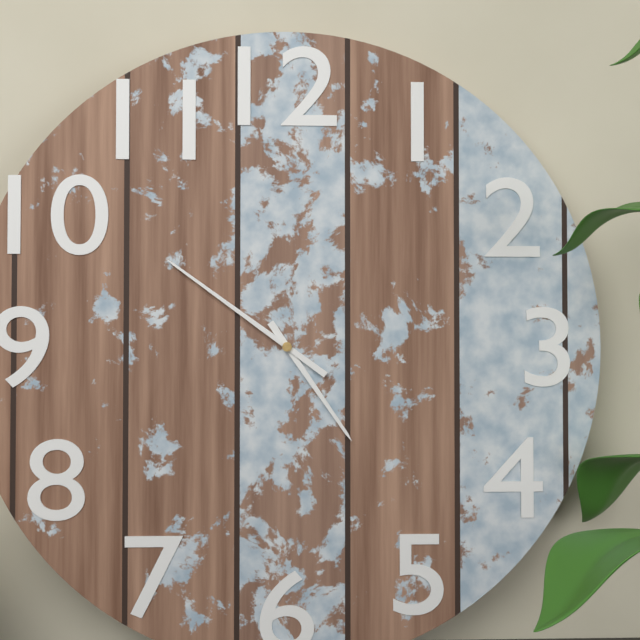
4:51
